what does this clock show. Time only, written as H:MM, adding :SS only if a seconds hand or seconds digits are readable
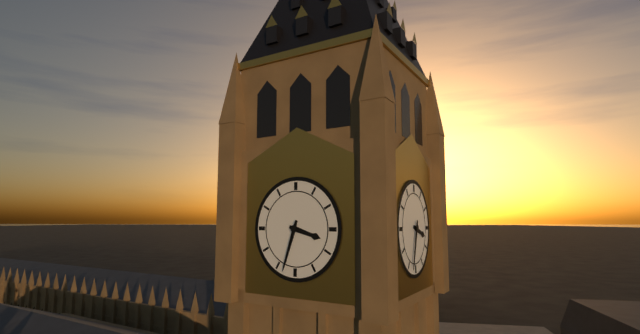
3:33
